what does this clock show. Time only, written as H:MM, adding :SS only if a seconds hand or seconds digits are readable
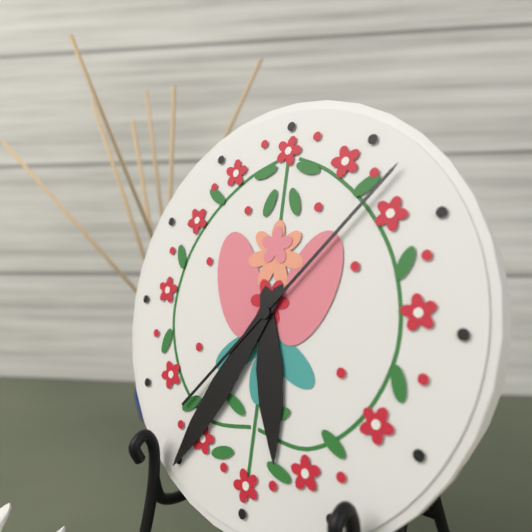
5:35:07
